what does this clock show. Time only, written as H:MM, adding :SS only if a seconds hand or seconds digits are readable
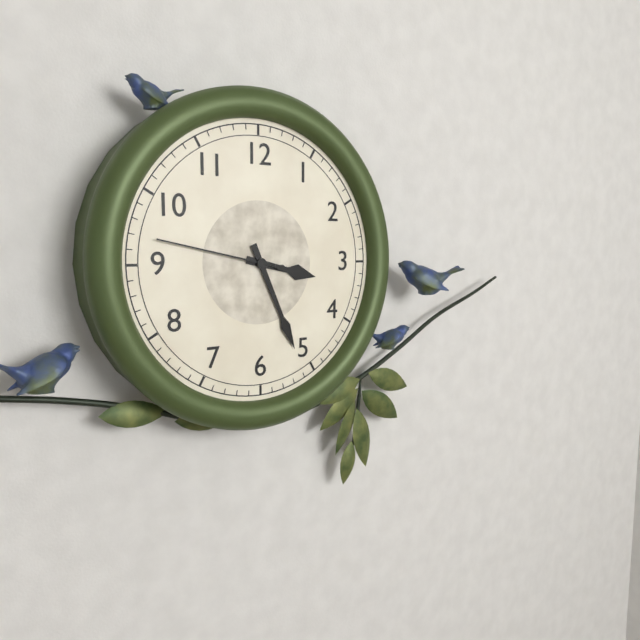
3:26:47
